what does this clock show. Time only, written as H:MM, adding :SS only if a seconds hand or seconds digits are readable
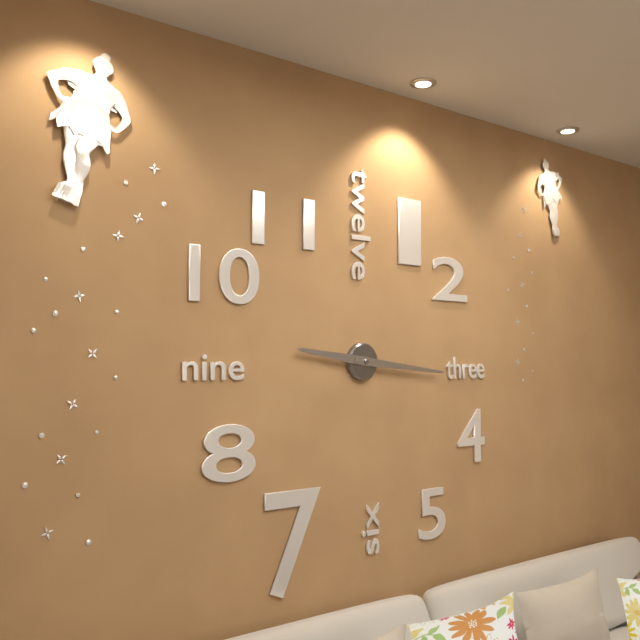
9:16
